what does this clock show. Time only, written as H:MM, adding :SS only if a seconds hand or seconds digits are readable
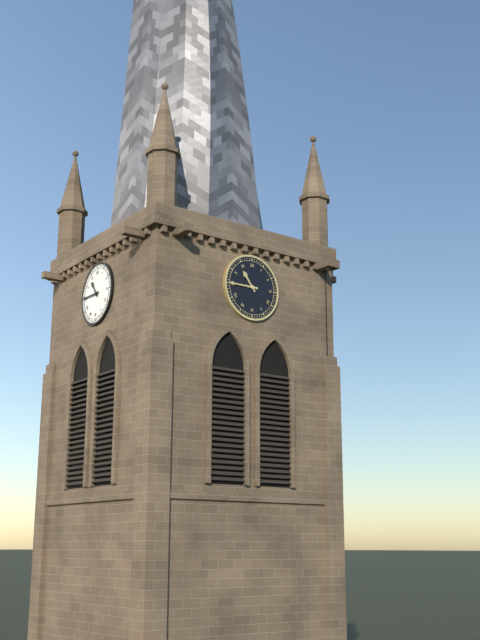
10:45
